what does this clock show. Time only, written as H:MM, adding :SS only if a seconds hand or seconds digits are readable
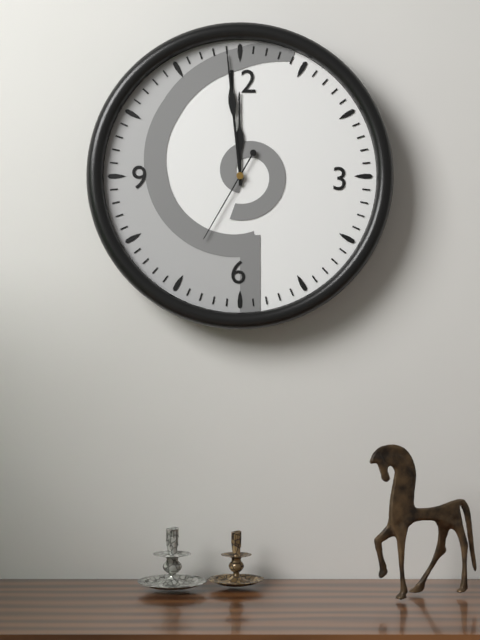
11:59:35
